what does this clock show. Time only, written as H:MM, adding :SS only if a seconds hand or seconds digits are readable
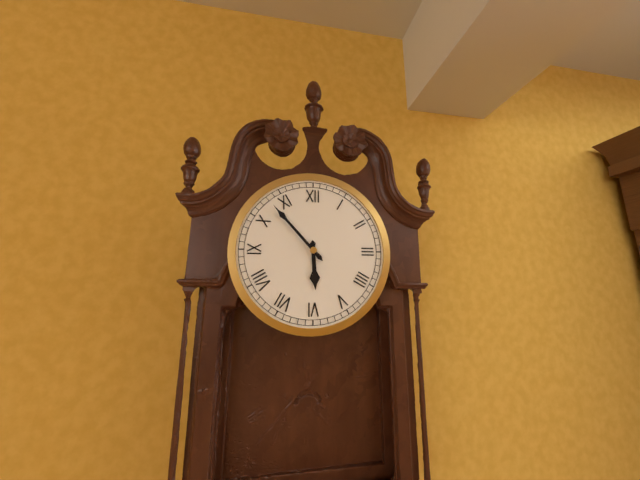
5:53
